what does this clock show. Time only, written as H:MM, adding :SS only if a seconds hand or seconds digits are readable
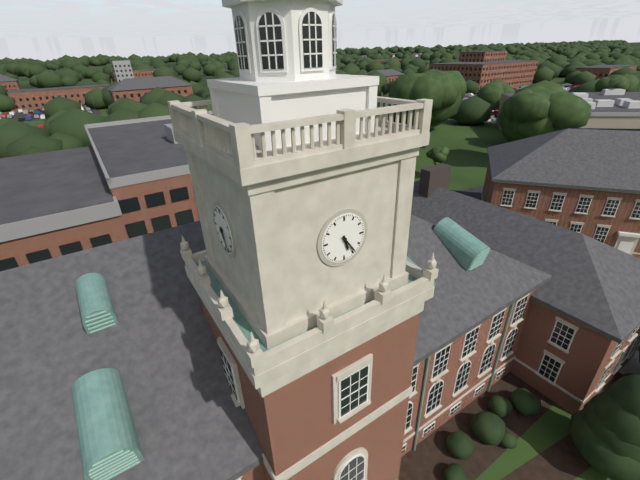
5:24
